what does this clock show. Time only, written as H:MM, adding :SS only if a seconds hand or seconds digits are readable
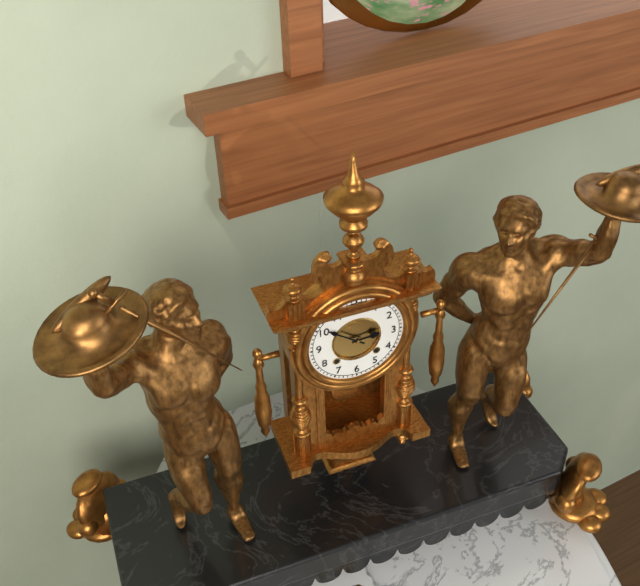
2:51
